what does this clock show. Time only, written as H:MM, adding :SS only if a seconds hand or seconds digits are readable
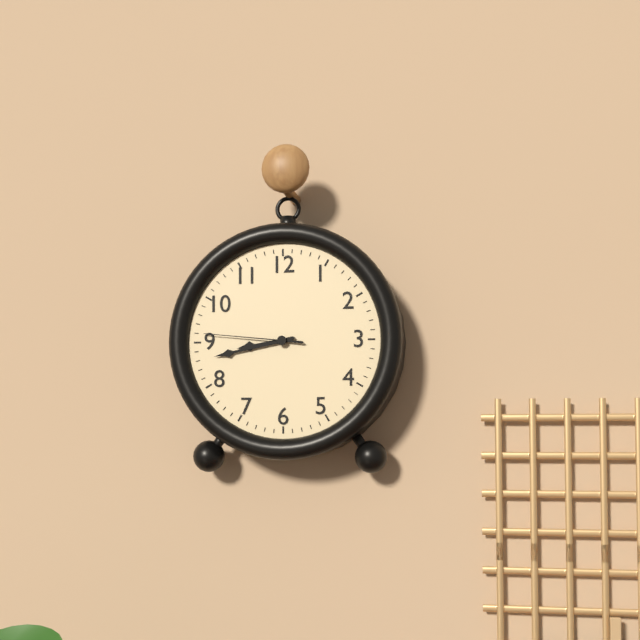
8:43:46
